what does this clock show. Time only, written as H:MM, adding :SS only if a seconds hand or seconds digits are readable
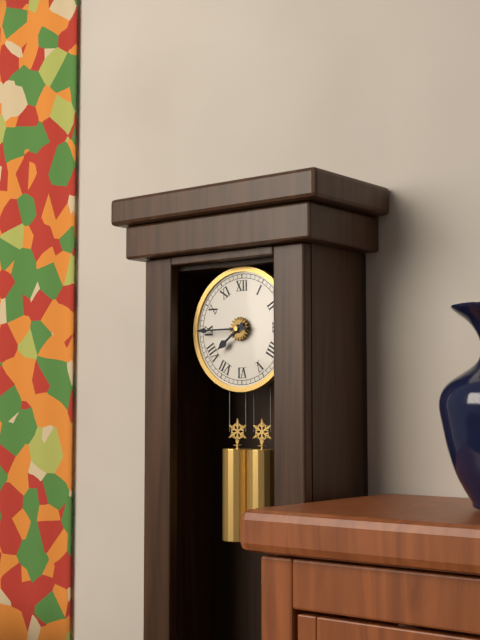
7:45
